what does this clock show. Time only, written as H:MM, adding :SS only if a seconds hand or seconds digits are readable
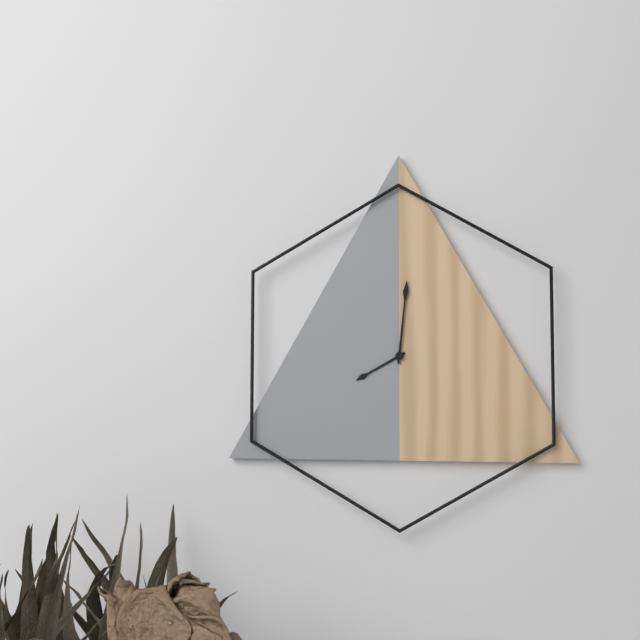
8:01
